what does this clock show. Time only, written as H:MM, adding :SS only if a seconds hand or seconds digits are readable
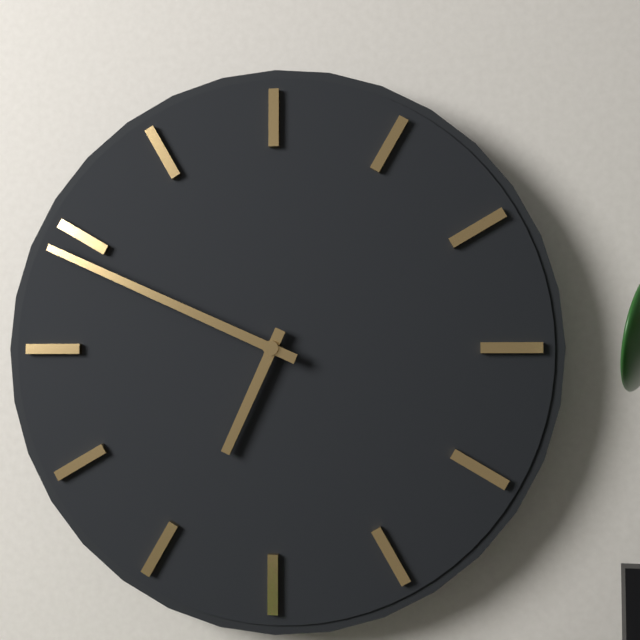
6:49
